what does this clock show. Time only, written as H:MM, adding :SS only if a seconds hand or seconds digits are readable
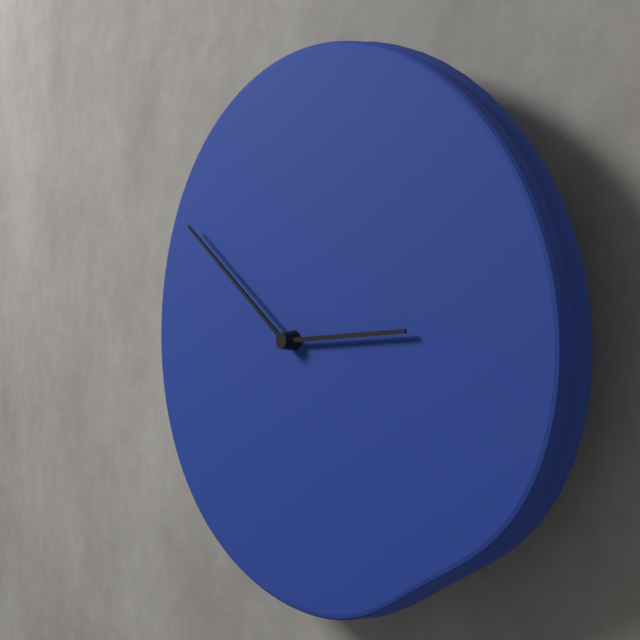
2:51
